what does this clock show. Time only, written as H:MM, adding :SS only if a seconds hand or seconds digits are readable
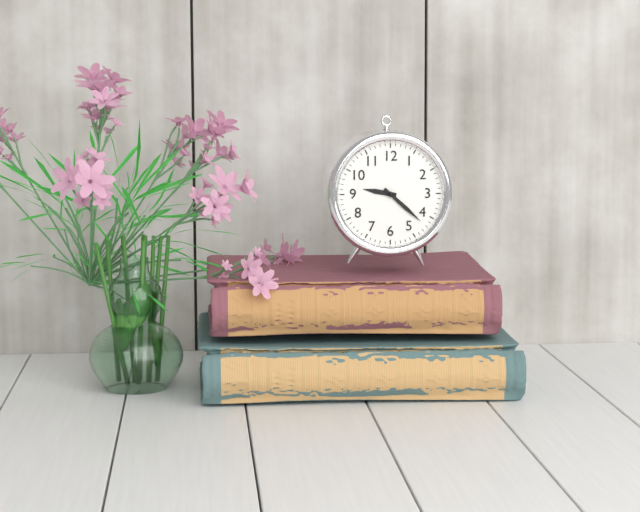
9:22
